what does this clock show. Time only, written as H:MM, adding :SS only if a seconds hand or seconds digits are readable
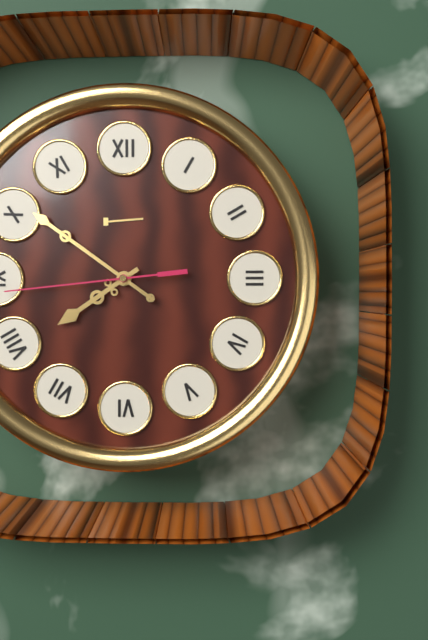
7:51:44
